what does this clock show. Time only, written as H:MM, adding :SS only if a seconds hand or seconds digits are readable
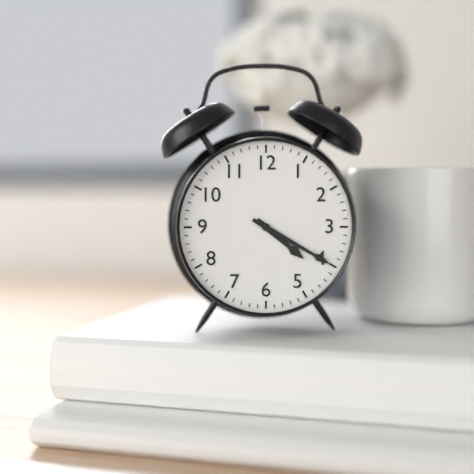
4:20
